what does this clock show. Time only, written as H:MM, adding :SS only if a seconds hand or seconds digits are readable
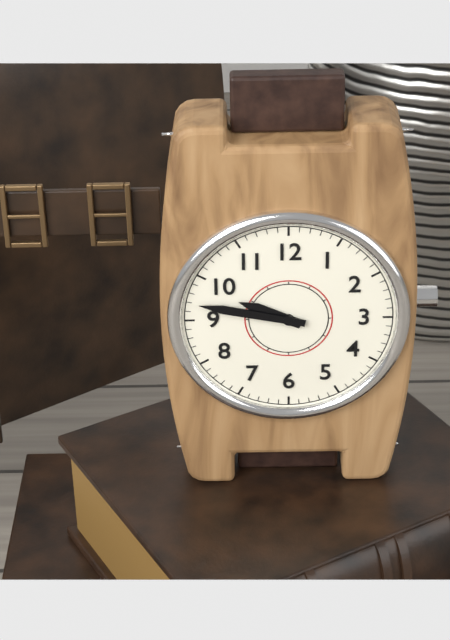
9:47
